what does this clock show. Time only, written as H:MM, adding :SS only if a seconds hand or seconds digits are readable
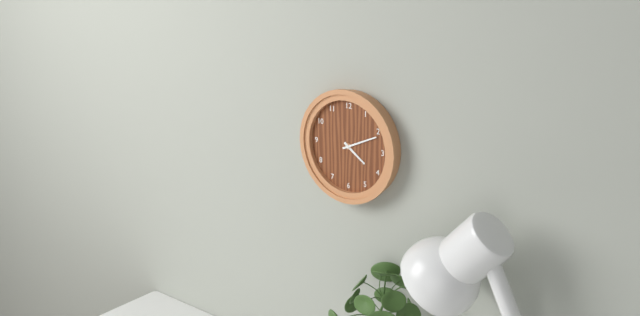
4:11
